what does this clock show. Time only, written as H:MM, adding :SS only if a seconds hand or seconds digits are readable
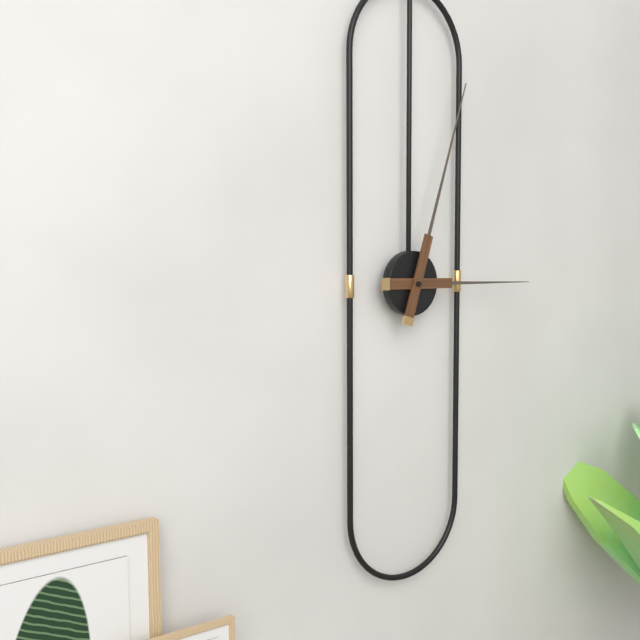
3:03
